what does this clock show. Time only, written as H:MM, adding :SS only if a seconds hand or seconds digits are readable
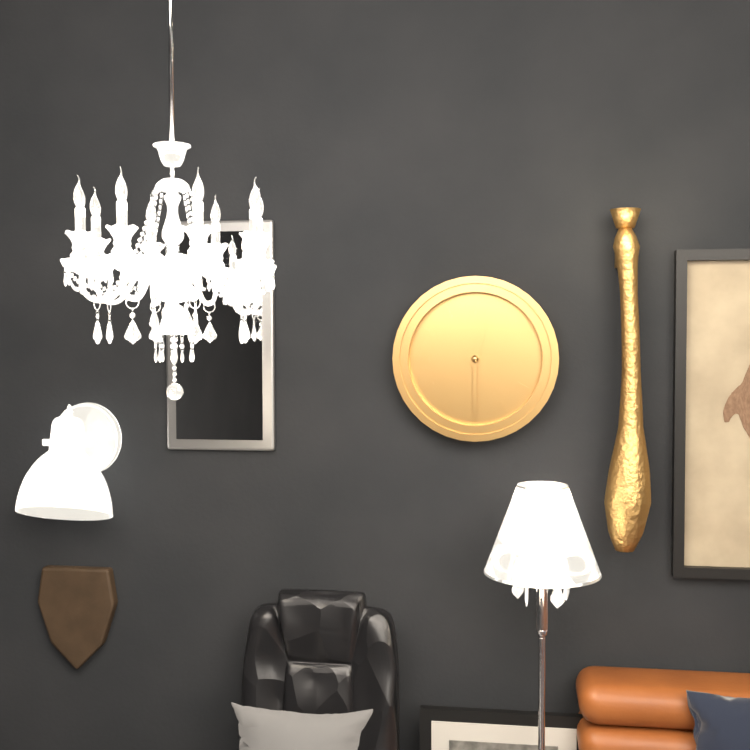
12:30
